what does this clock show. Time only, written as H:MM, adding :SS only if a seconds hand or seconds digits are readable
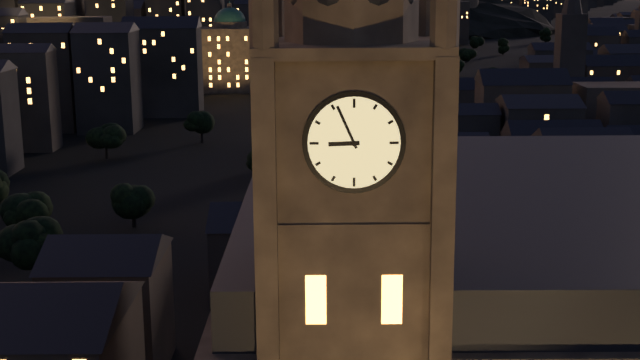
8:56
